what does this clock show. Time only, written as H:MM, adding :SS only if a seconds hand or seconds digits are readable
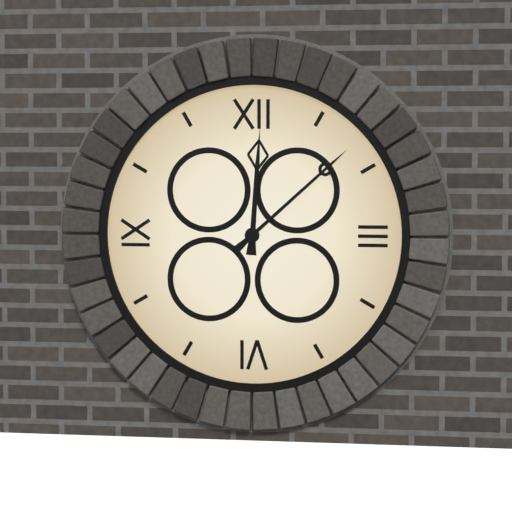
12:08
